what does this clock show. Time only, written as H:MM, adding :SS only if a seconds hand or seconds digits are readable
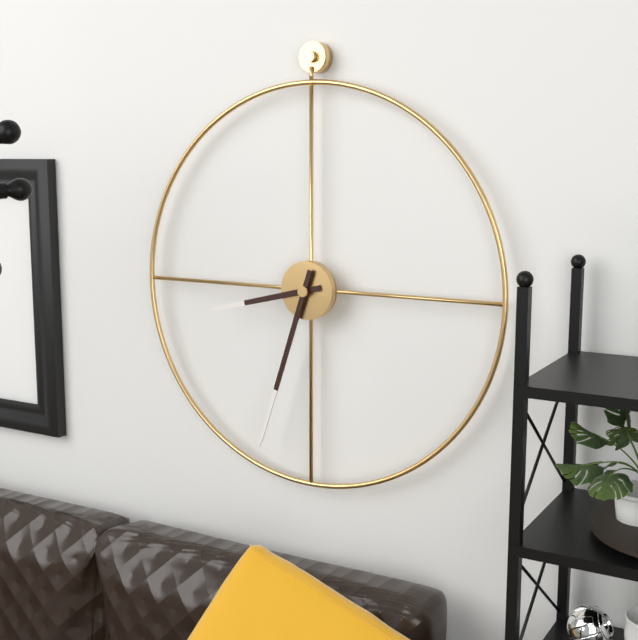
8:33
